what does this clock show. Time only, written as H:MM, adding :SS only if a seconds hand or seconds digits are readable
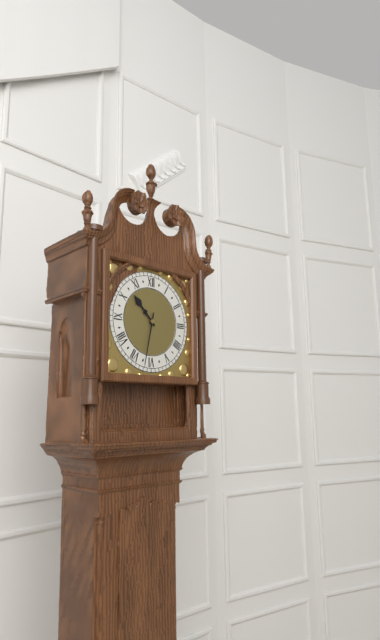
10:32
